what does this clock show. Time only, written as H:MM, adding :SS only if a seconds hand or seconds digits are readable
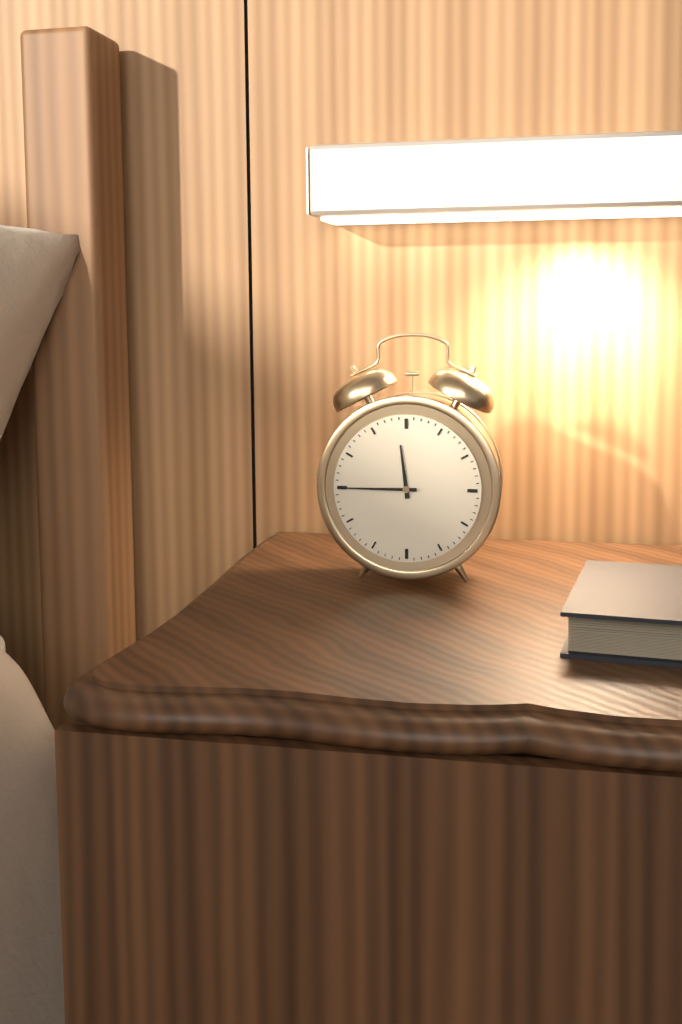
11:45
